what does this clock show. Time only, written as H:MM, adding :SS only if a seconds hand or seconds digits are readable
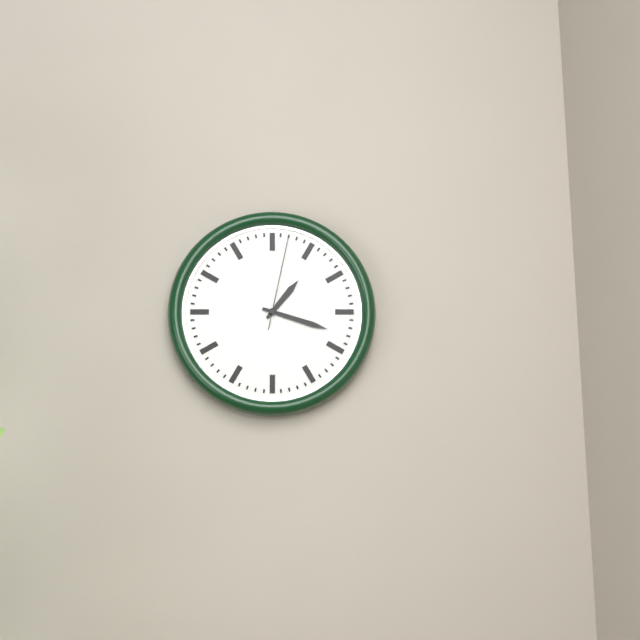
1:18:02
